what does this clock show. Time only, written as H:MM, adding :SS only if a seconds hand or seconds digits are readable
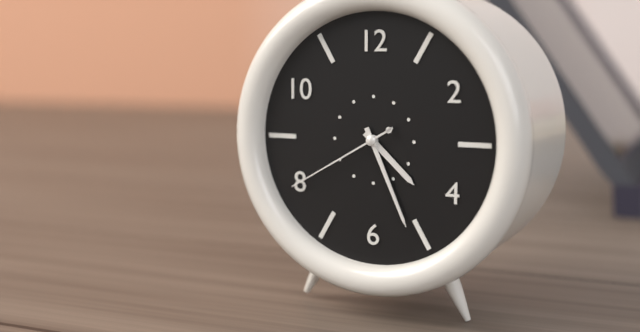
4:26:40
